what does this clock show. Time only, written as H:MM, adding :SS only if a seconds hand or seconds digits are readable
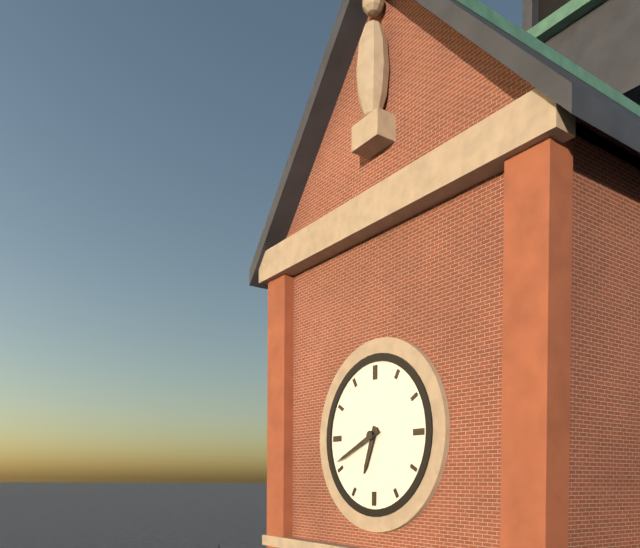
6:41
